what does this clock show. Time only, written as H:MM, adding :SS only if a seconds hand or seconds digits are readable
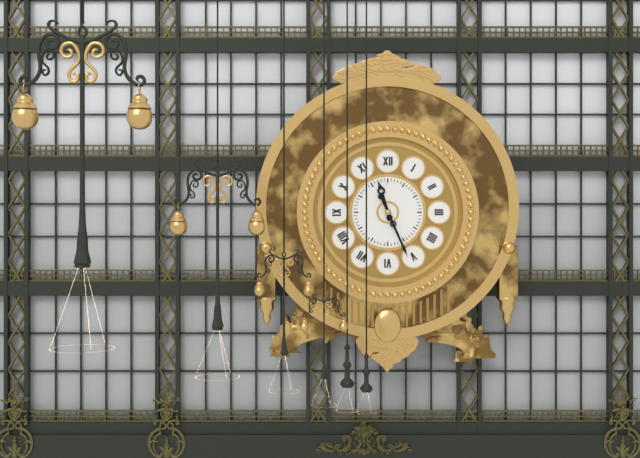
11:26
